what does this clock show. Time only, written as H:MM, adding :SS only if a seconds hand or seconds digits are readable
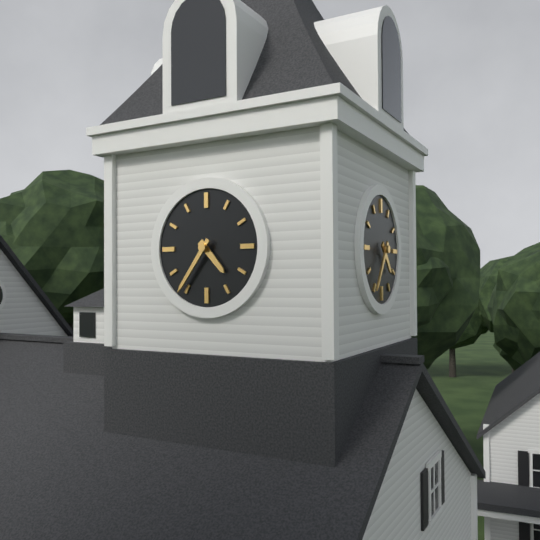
4:36
